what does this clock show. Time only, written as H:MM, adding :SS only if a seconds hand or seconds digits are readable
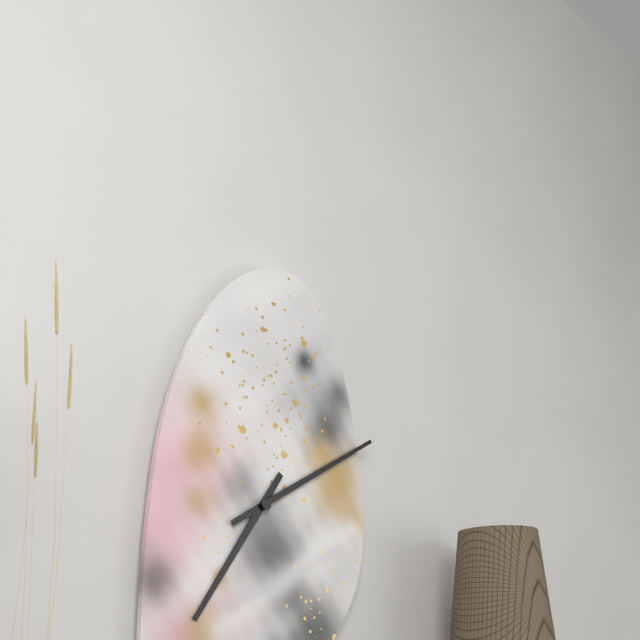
7:10
